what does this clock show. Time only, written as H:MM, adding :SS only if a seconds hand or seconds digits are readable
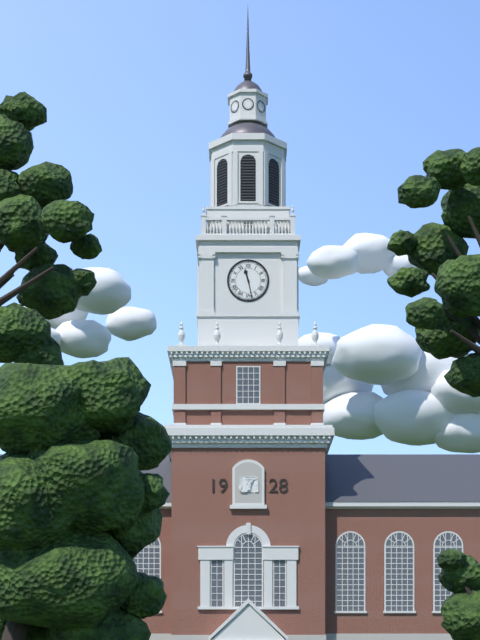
11:28
